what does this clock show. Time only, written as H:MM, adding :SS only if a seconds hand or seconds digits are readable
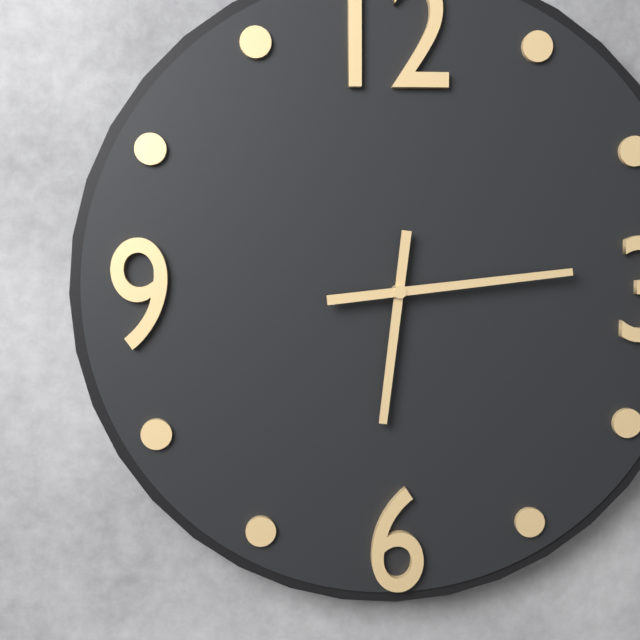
6:14
